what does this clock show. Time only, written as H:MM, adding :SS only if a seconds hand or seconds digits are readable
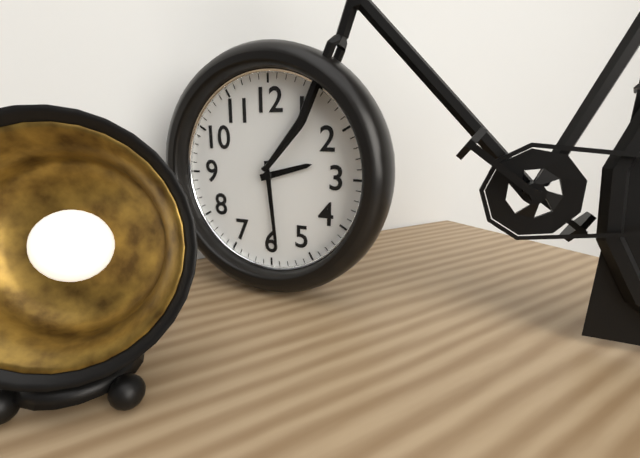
2:29
